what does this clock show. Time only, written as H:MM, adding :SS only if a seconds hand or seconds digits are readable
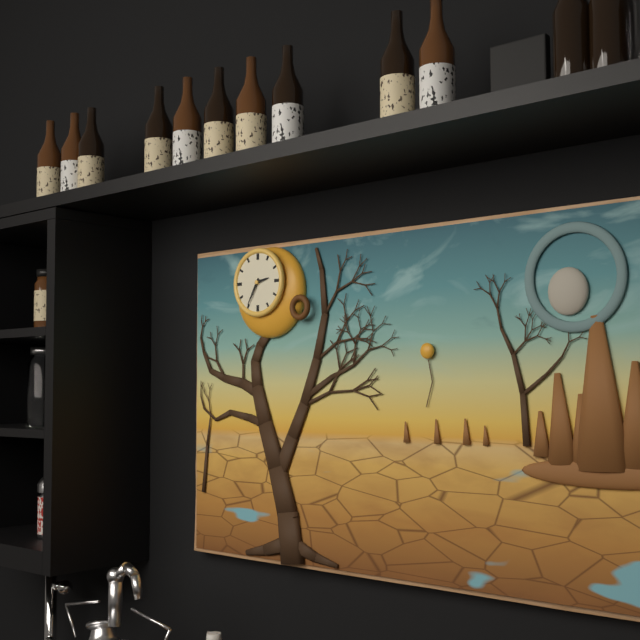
2:35
